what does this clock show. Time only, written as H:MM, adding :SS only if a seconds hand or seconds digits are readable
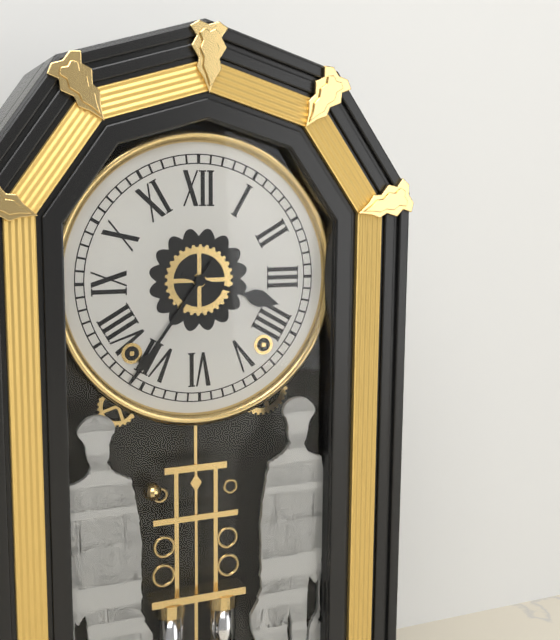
3:36
